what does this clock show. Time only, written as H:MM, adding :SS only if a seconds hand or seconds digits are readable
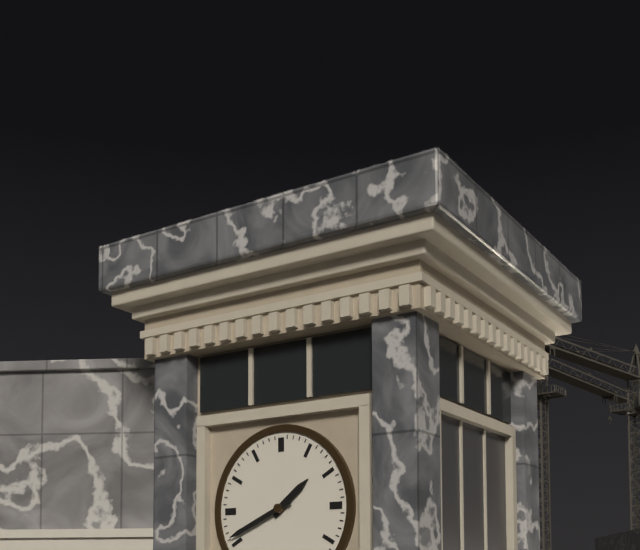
1:41
